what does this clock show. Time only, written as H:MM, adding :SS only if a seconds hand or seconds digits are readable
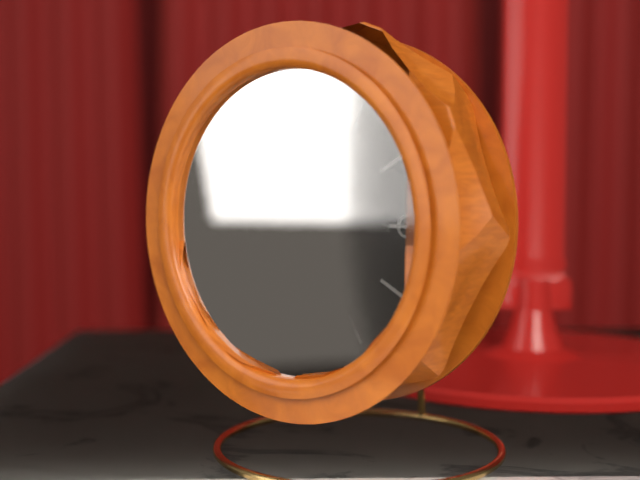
9:45:49
